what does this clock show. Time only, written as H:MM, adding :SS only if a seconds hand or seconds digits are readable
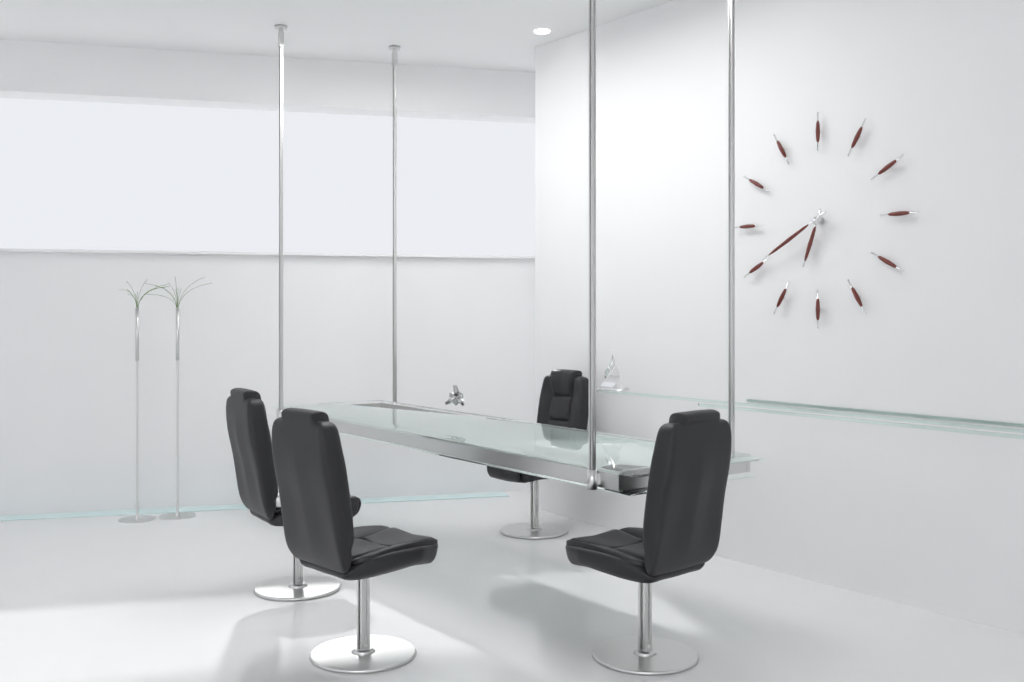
6:40
